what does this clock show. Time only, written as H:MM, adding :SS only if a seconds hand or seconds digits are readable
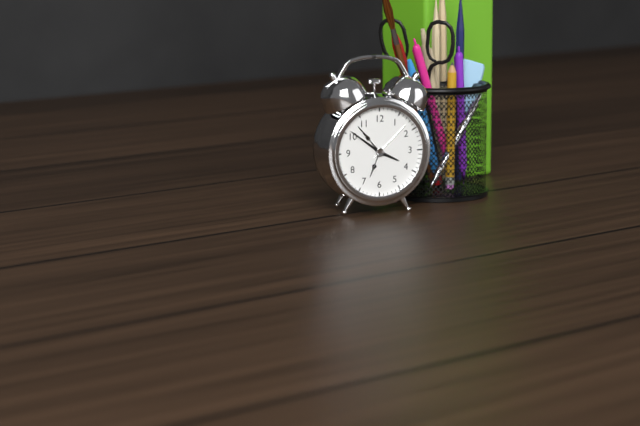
3:51
